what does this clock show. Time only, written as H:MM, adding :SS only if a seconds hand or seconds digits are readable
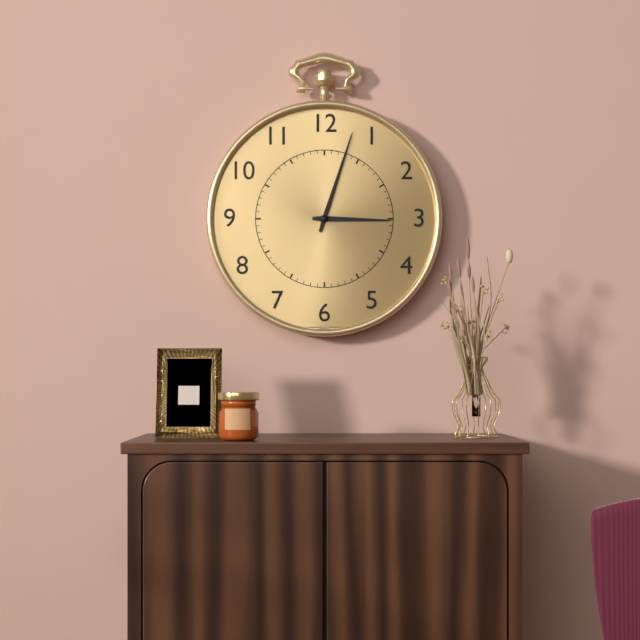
3:03
